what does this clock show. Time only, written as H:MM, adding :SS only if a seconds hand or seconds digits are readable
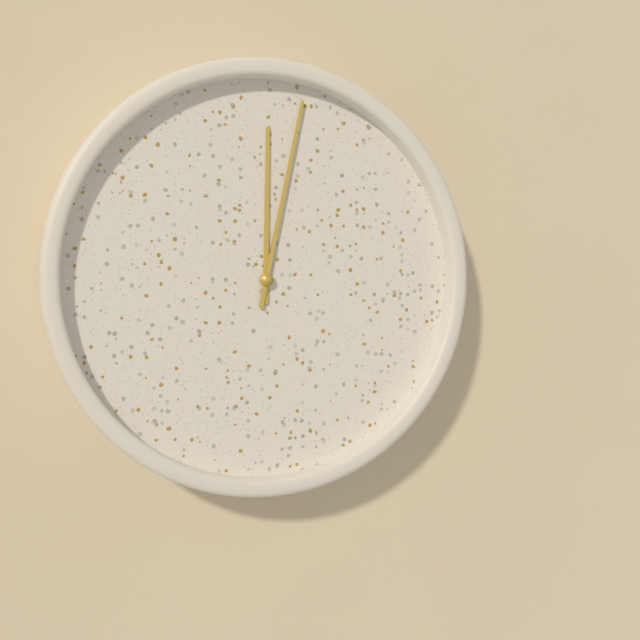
12:02
